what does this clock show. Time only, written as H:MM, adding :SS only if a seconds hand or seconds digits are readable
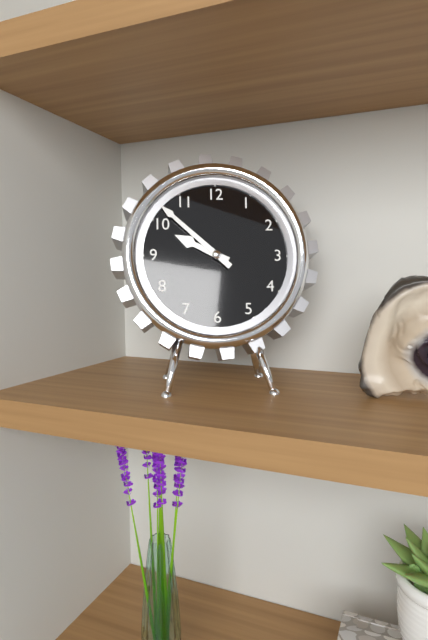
9:52
